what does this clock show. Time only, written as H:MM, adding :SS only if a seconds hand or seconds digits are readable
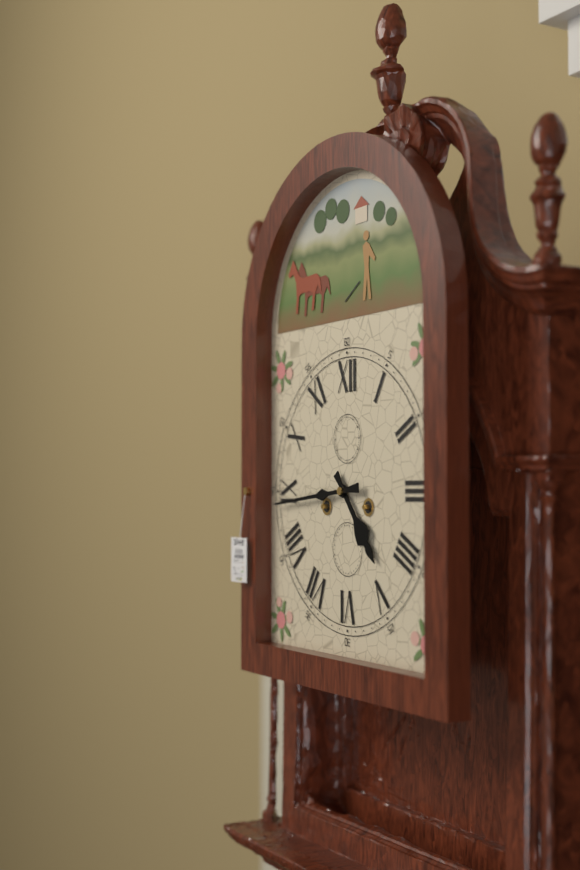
4:44
